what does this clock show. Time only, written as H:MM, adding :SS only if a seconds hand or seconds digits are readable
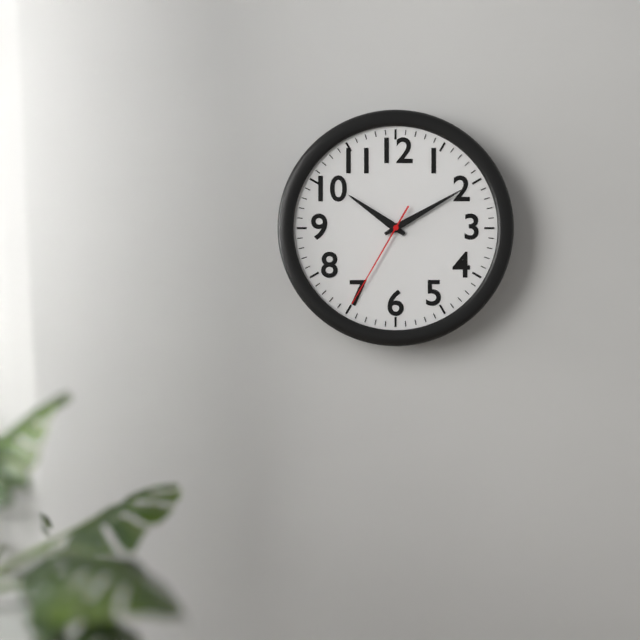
10:10:35
